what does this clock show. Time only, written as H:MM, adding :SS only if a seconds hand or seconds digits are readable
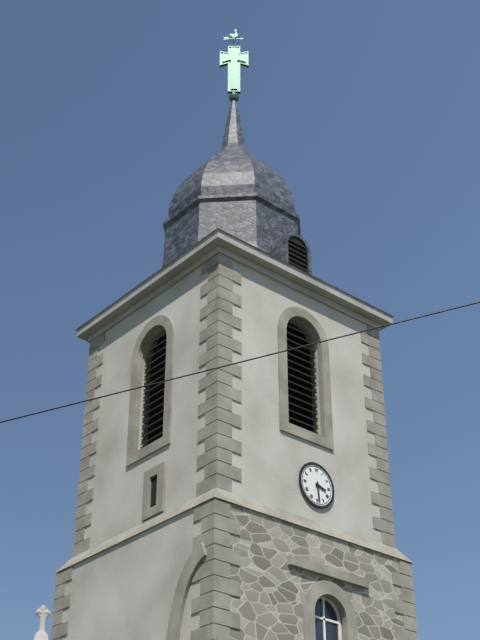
3:29
